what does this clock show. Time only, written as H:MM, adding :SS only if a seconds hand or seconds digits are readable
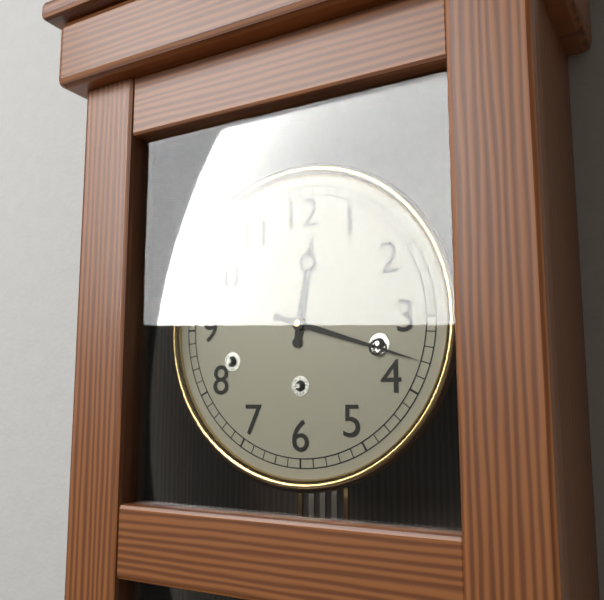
12:18
